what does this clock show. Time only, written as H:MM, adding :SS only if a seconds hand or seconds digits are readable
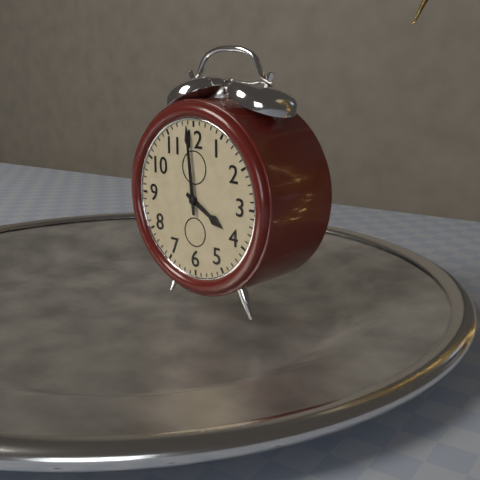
3:59
